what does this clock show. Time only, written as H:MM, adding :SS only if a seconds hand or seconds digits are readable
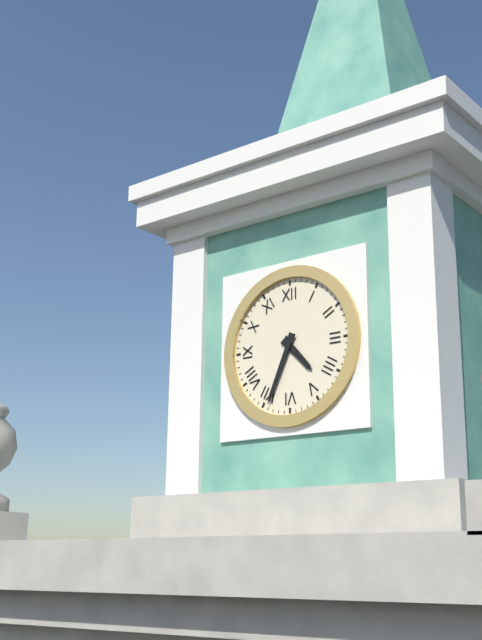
4:34
